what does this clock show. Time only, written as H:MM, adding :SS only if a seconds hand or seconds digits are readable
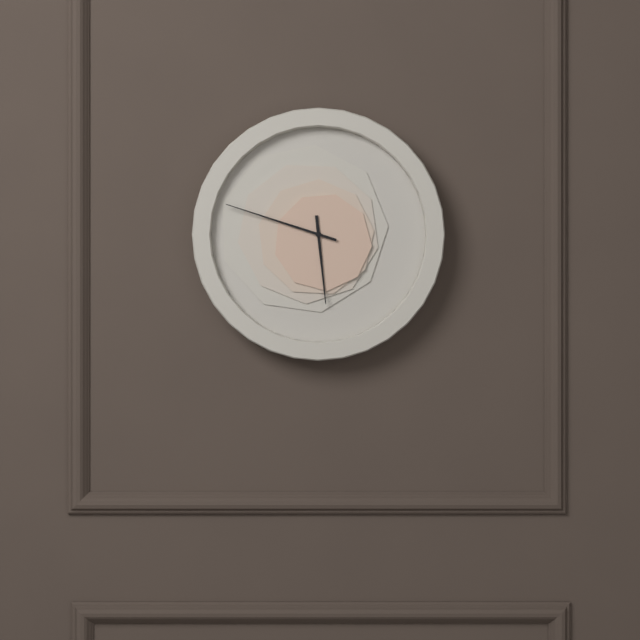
5:48
